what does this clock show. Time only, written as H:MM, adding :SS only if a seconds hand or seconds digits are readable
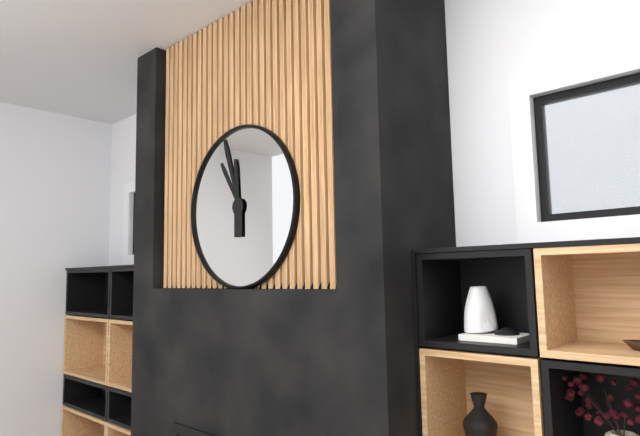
10:57:59
